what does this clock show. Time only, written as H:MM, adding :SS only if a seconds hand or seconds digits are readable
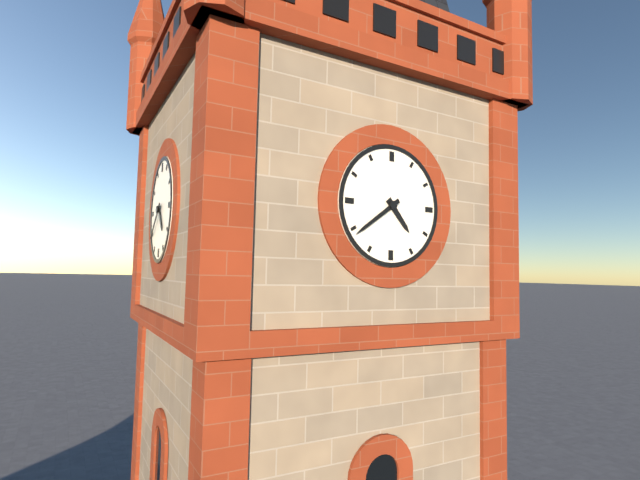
4:39
